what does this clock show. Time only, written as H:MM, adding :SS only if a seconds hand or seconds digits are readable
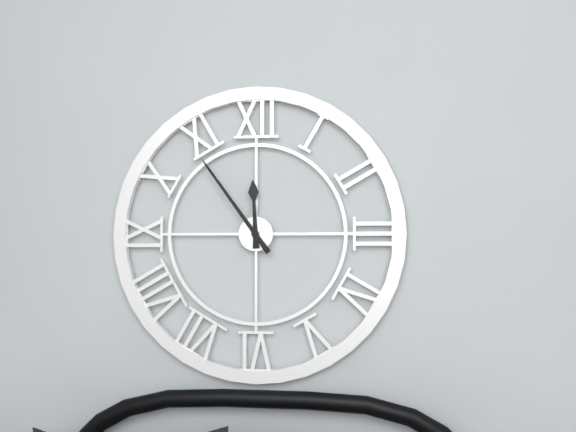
11:54
